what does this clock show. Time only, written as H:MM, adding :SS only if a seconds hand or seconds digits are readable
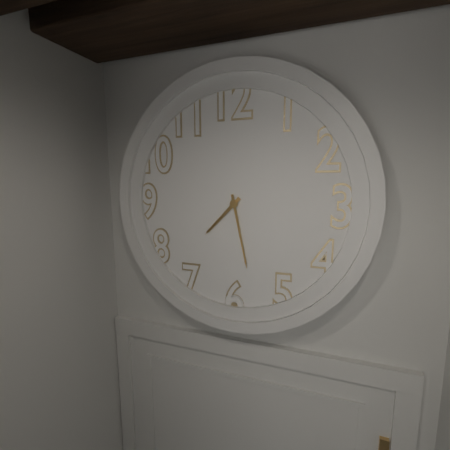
7:28
